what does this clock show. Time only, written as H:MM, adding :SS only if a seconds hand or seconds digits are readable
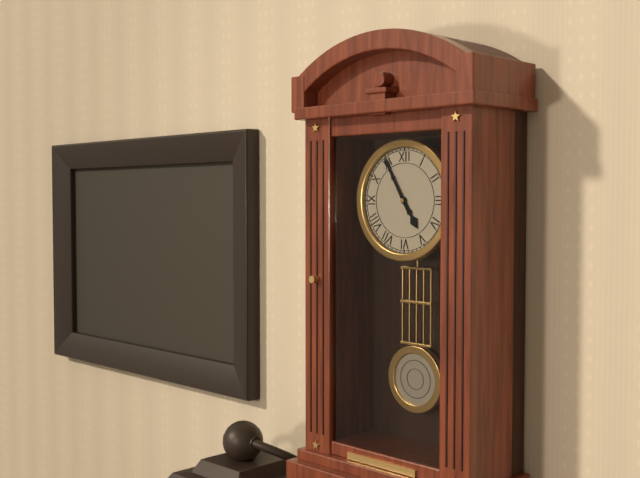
4:55
